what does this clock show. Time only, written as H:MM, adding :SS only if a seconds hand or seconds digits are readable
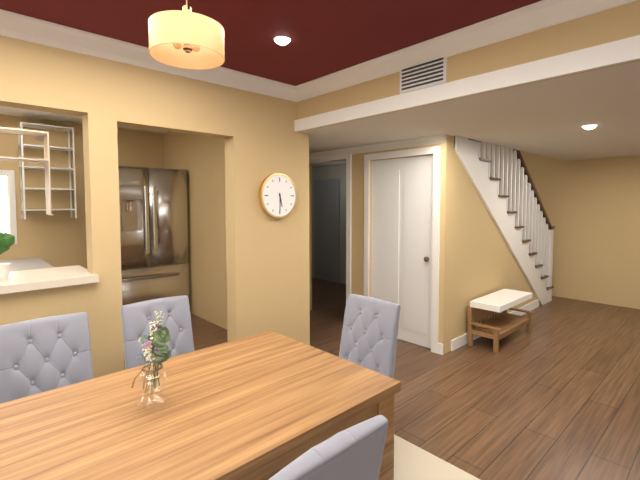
5:30
